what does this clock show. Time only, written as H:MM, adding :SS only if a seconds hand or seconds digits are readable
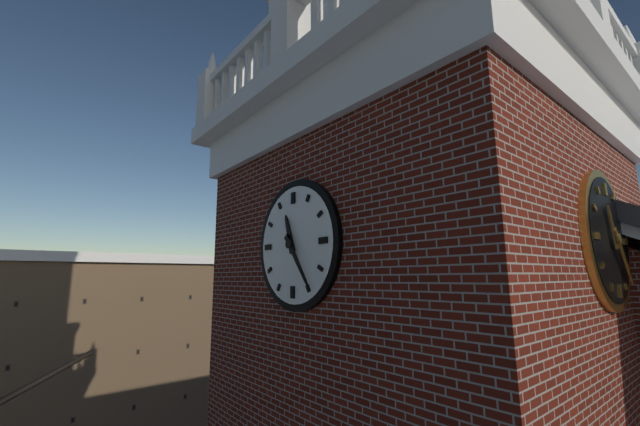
11:24
